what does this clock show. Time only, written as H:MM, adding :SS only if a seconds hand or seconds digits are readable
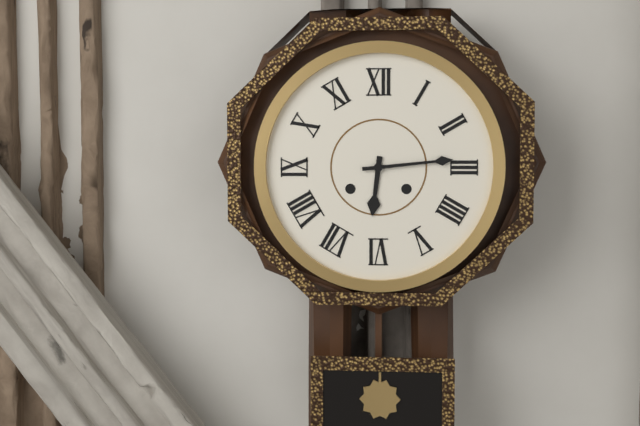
6:14
